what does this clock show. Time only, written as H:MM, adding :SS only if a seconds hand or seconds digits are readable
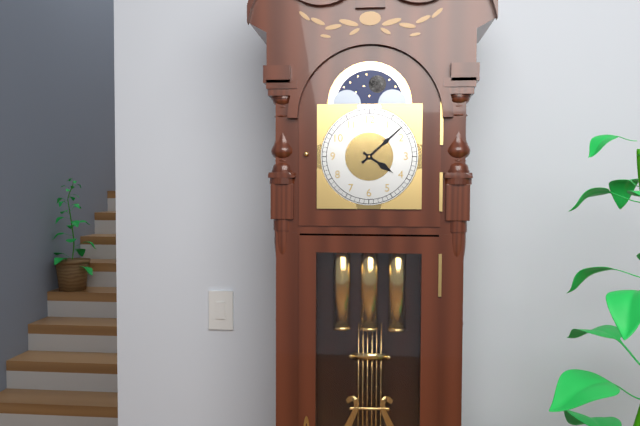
4:08
